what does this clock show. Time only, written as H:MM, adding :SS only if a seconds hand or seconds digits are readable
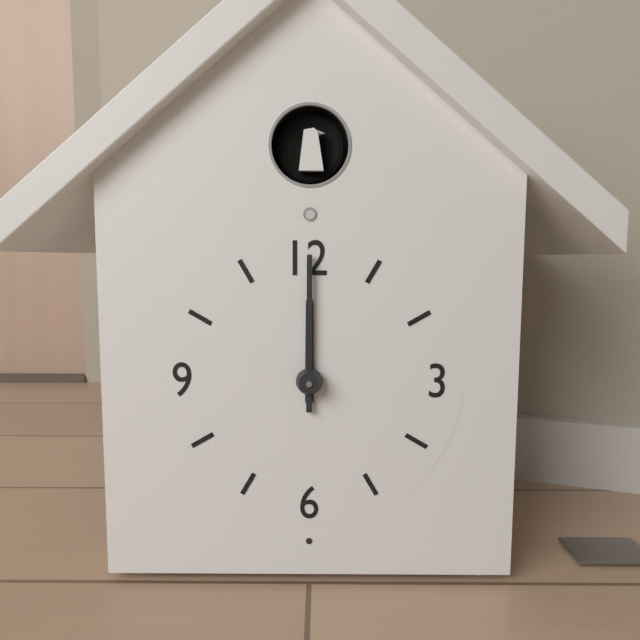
12:00
